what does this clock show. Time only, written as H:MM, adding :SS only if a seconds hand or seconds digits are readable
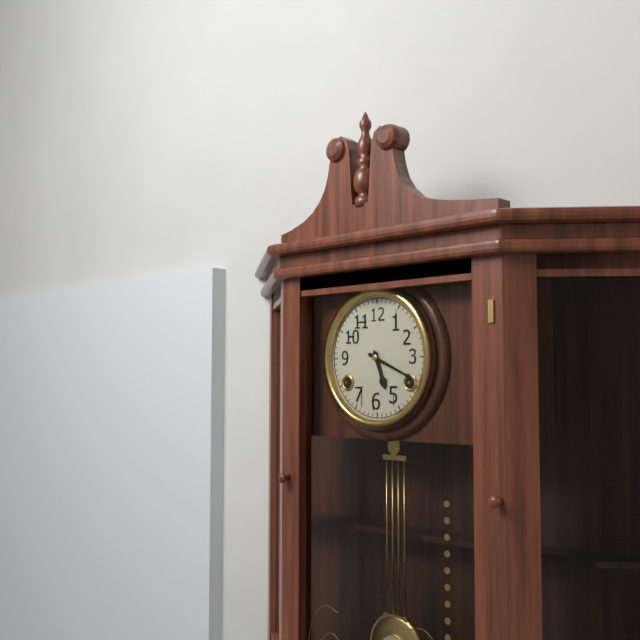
5:19
